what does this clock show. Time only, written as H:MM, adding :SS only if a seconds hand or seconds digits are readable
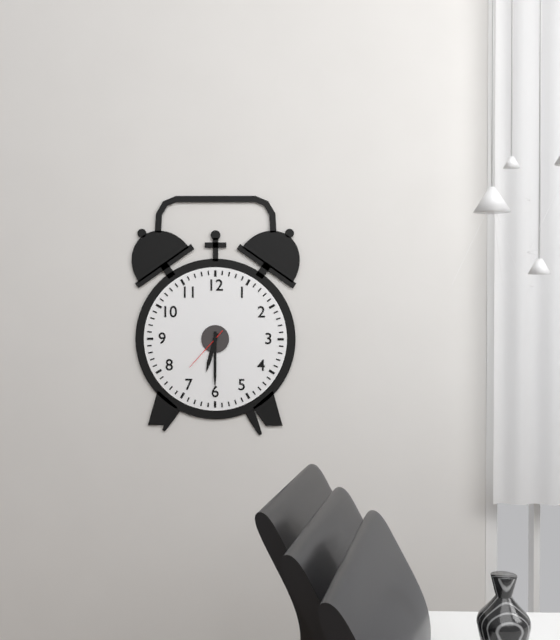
6:30
